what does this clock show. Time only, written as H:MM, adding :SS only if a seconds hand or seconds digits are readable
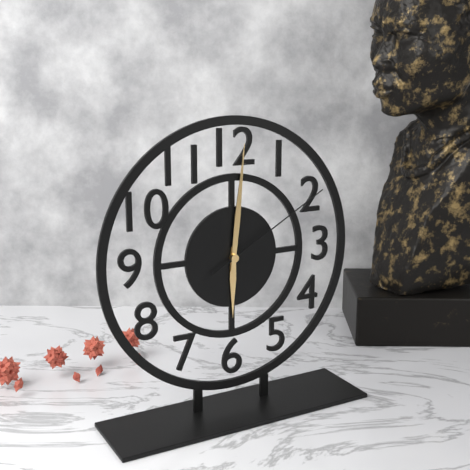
6:01:10
